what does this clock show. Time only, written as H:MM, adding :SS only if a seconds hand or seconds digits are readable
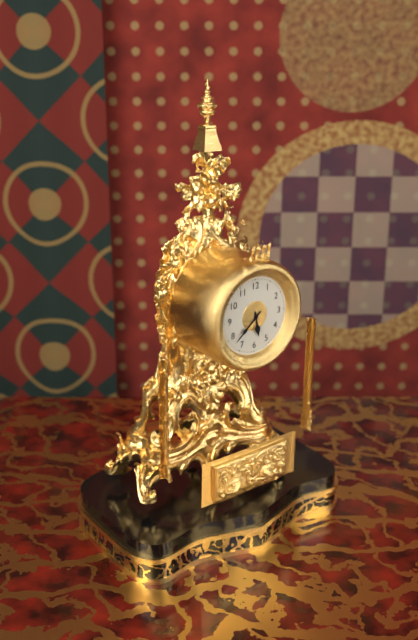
5:38
